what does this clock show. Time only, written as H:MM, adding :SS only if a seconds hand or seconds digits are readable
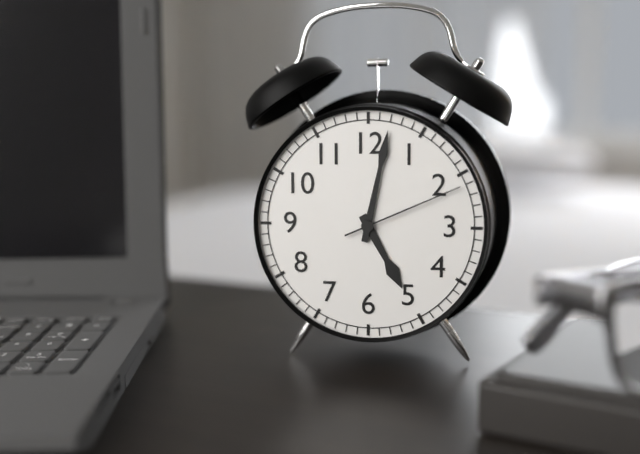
5:02:11
